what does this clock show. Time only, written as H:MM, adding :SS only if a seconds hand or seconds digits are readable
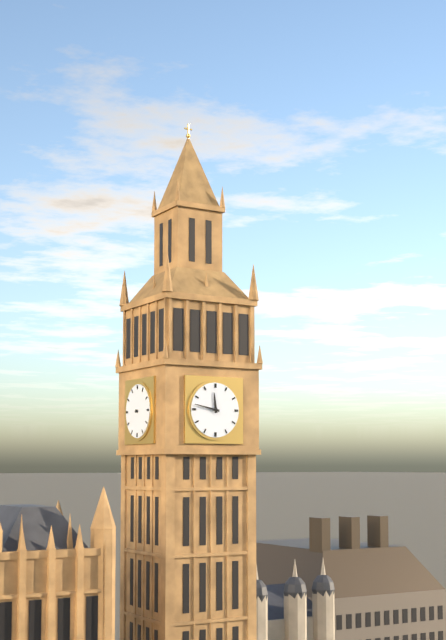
11:47
